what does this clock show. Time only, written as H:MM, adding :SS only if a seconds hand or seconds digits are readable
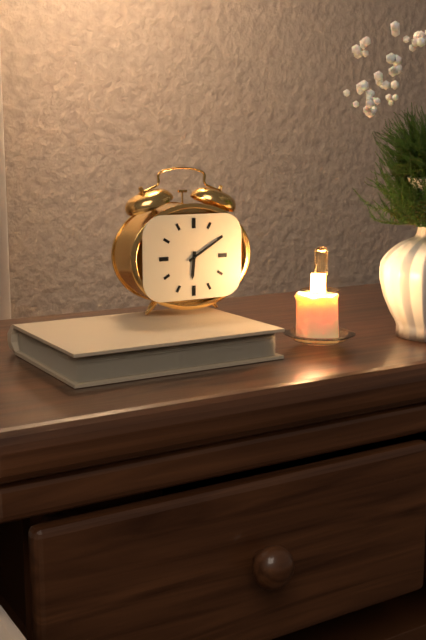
6:10
